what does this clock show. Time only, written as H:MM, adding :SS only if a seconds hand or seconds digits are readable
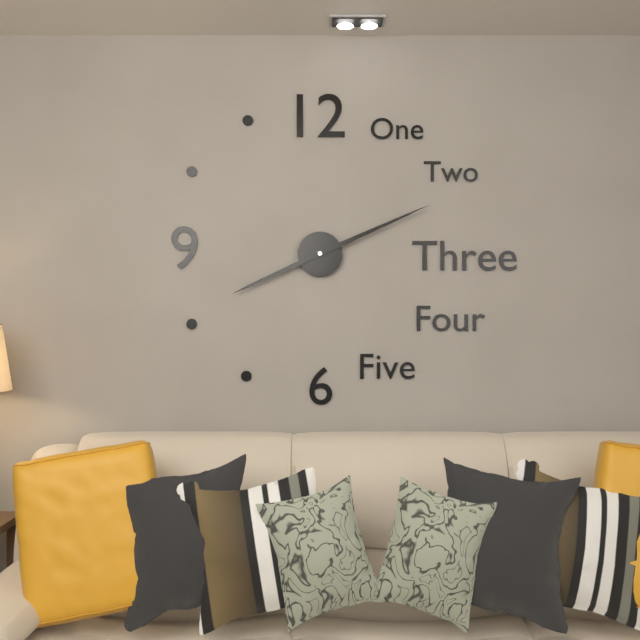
8:11
